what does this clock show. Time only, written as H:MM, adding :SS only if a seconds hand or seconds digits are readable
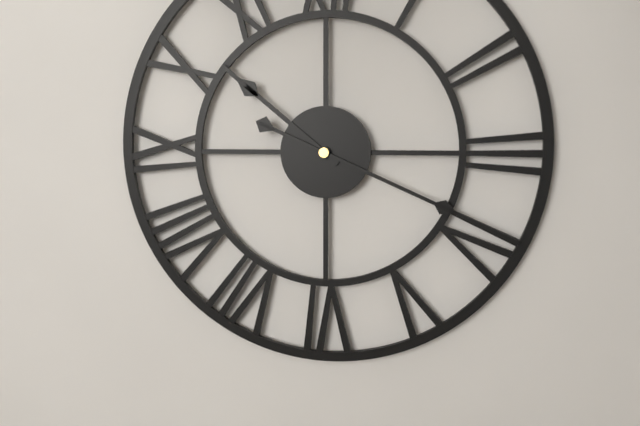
10:19
